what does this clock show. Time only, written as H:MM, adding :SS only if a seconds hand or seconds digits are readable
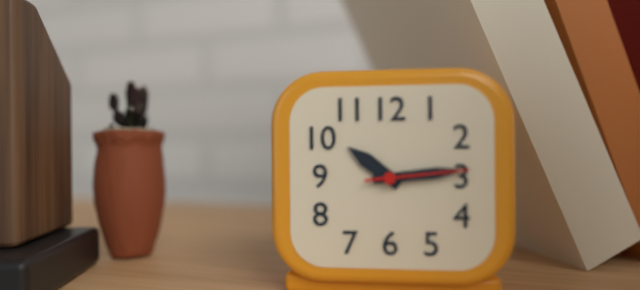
10:14:14
